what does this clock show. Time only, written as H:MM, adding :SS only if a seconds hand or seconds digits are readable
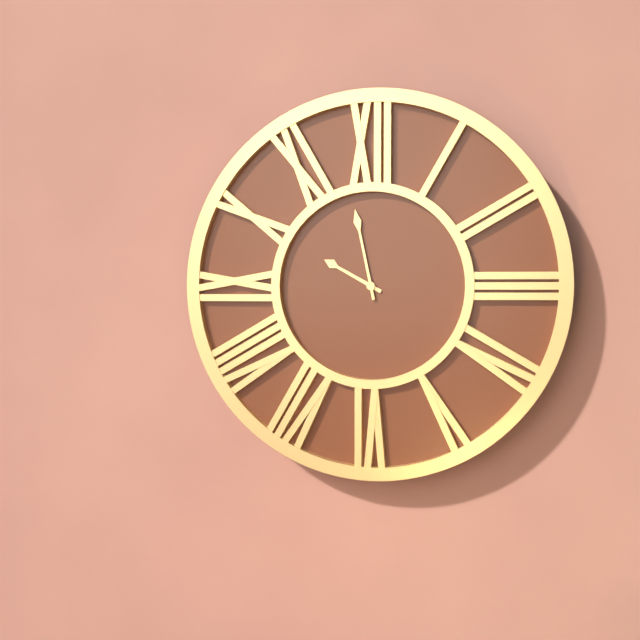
9:58
